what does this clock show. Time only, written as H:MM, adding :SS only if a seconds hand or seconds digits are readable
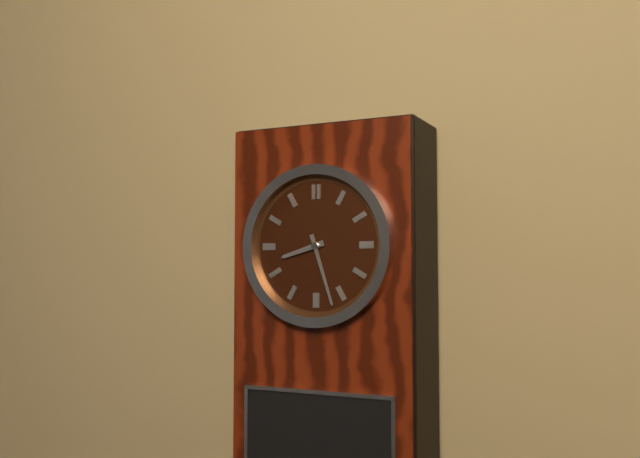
8:27
